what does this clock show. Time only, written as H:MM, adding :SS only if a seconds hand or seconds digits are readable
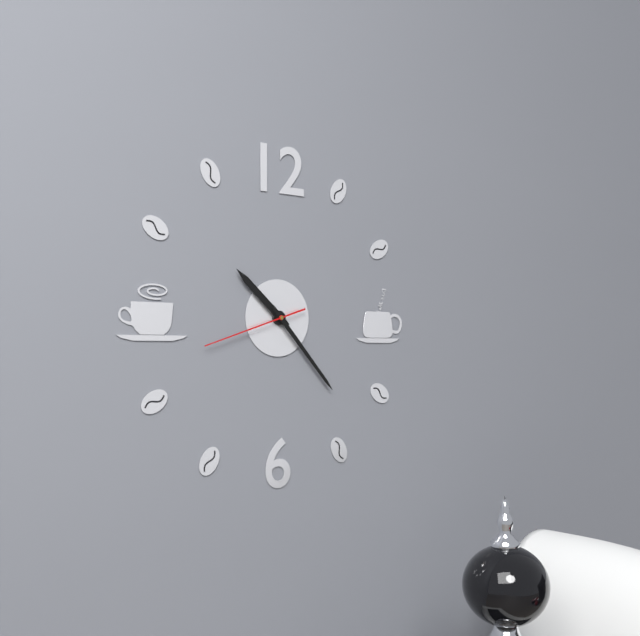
10:23:42
